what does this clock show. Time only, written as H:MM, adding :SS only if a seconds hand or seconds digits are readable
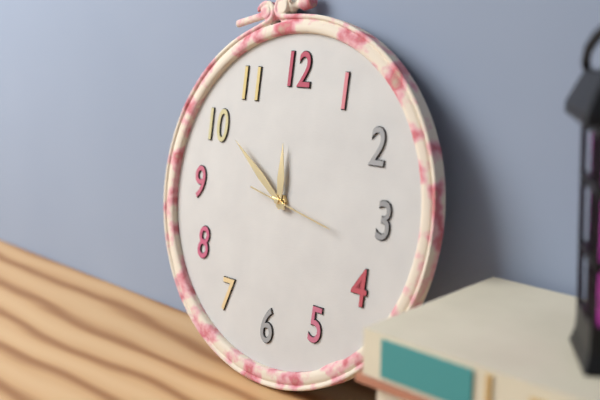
11:51:17
